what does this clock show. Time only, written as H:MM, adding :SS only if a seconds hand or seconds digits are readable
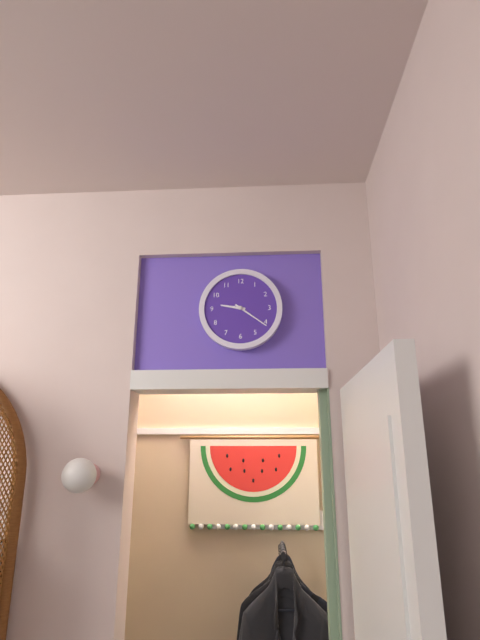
9:21
